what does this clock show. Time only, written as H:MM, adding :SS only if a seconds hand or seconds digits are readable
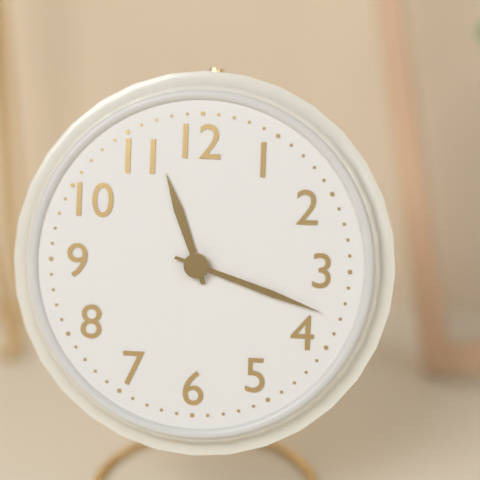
11:18
